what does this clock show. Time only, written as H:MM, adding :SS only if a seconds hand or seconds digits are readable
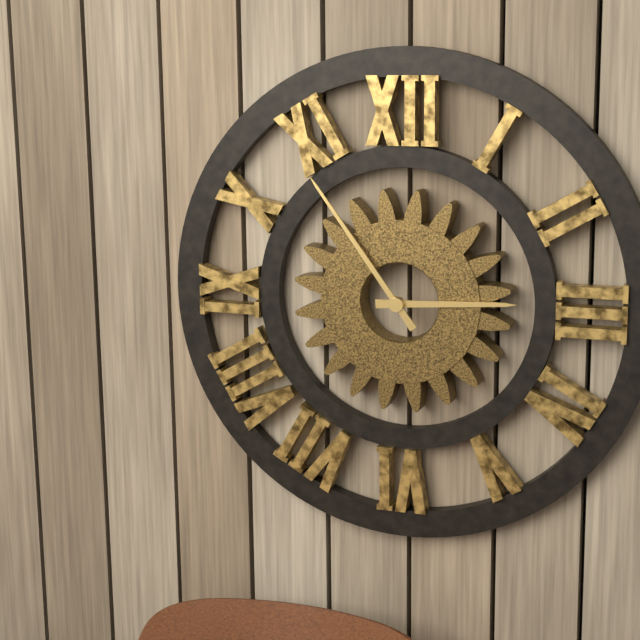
2:54
